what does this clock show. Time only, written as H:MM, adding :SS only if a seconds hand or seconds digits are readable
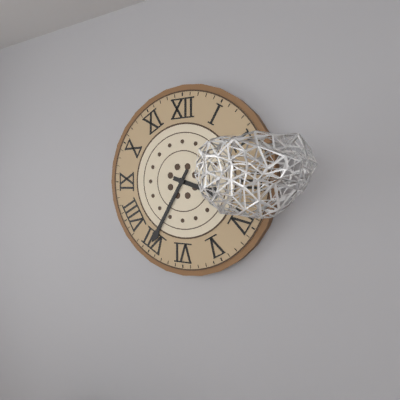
3:35
